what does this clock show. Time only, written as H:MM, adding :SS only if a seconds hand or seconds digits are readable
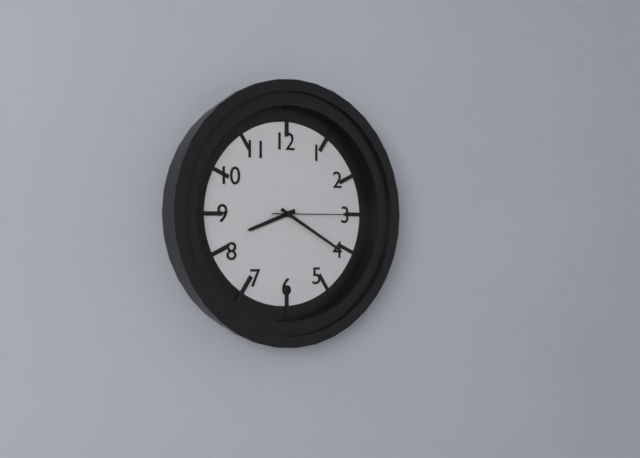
8:20:15
